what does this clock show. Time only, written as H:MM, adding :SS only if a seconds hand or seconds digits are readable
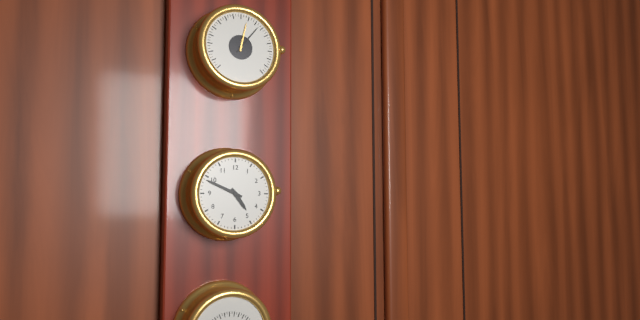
4:49
